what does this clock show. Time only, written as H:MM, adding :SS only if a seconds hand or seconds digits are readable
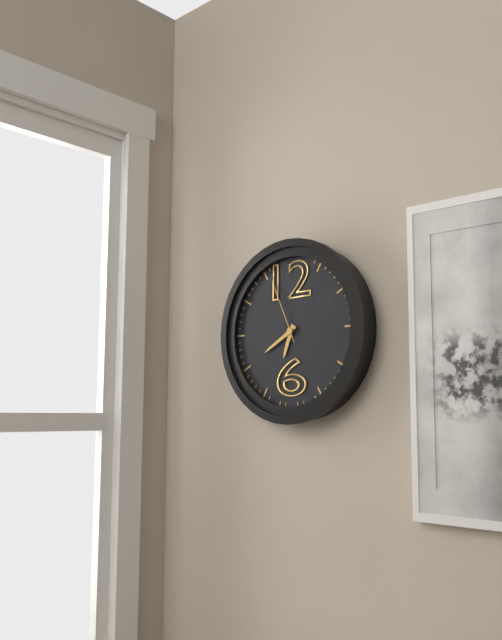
6:40:56
